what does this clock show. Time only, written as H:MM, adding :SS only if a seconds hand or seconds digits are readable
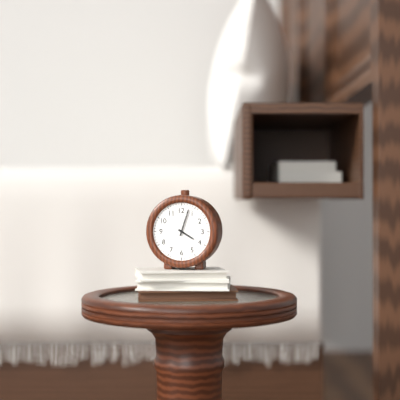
4:03
